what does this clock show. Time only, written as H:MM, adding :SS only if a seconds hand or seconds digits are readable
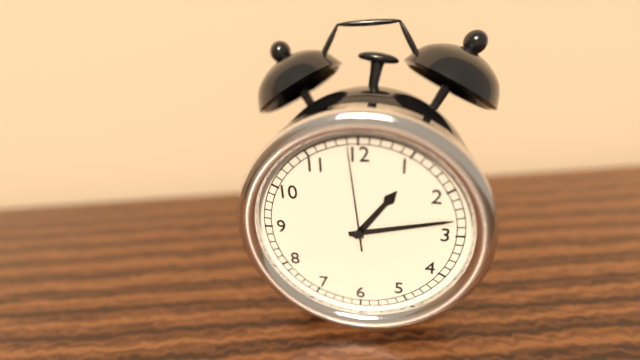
1:13:59
